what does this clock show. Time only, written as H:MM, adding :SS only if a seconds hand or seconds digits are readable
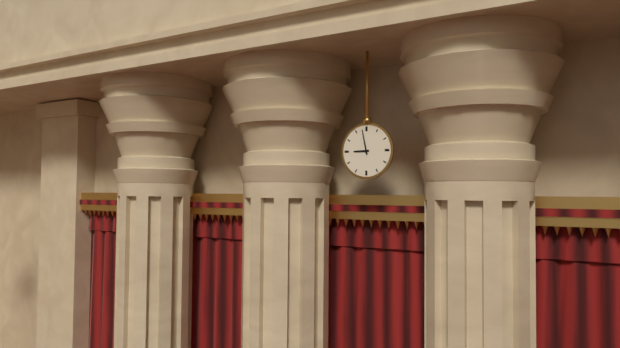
8:58
